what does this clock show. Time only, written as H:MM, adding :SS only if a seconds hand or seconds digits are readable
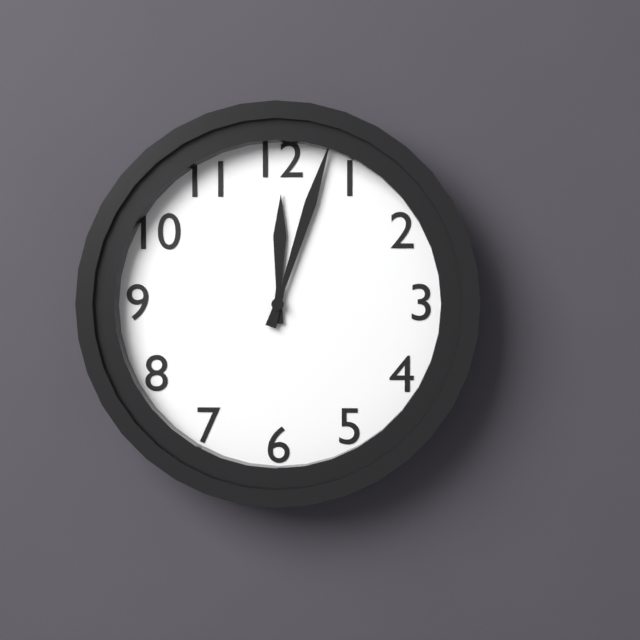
12:03
